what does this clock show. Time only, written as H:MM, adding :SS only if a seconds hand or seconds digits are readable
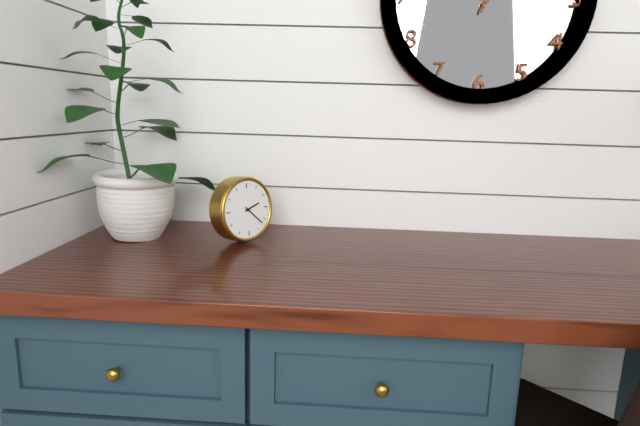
2:22
